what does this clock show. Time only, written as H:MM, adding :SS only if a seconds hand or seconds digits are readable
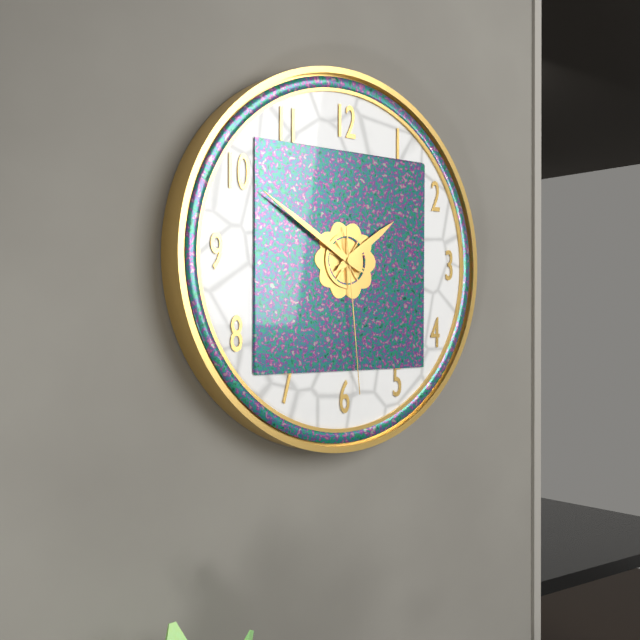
1:50:29
